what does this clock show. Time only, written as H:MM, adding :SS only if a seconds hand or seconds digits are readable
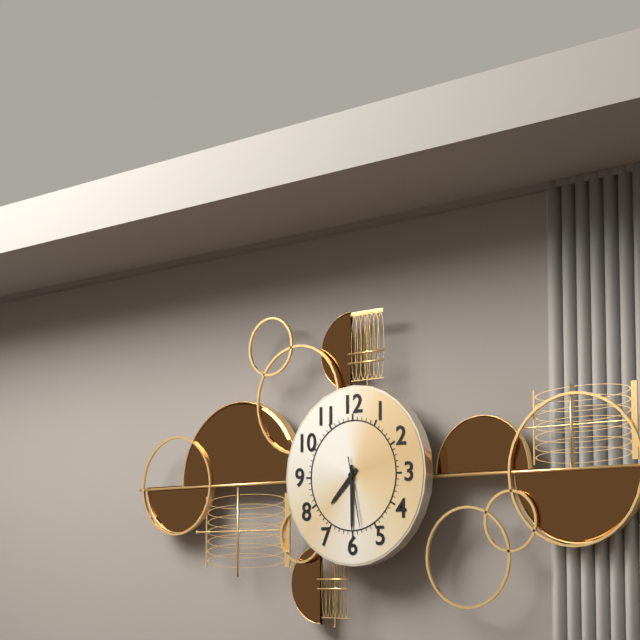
7:30:28
